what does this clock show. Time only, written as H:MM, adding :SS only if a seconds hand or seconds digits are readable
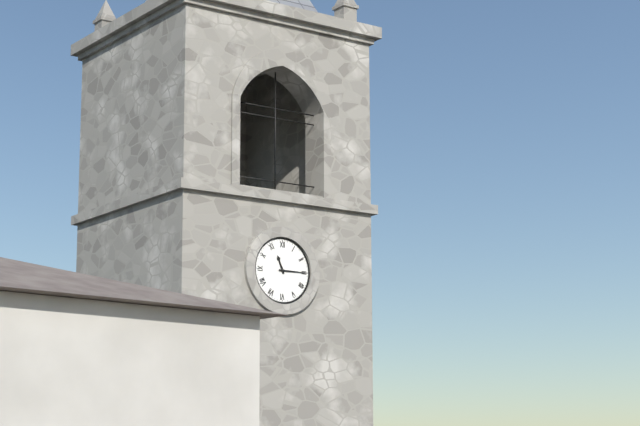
11:15
